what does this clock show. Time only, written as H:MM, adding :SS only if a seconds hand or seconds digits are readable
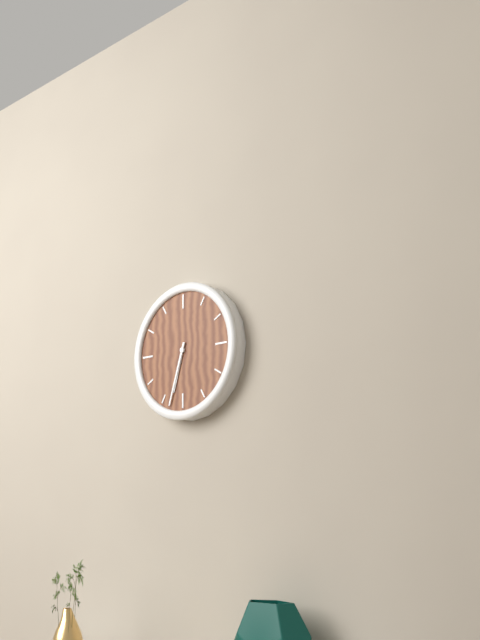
6:33
